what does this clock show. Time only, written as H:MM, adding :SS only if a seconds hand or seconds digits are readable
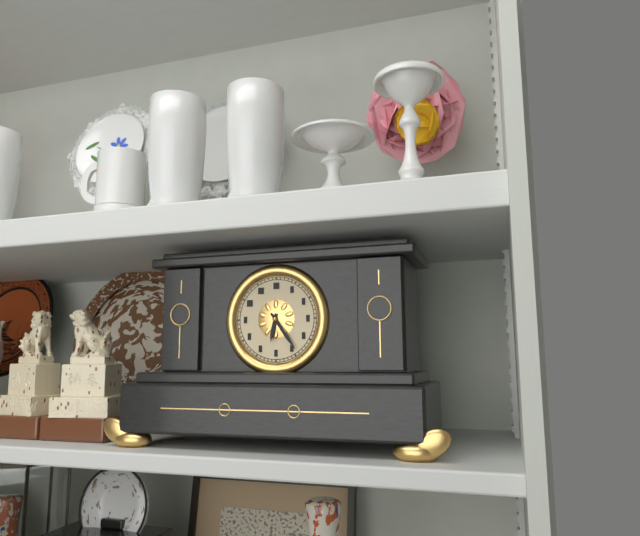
6:24
